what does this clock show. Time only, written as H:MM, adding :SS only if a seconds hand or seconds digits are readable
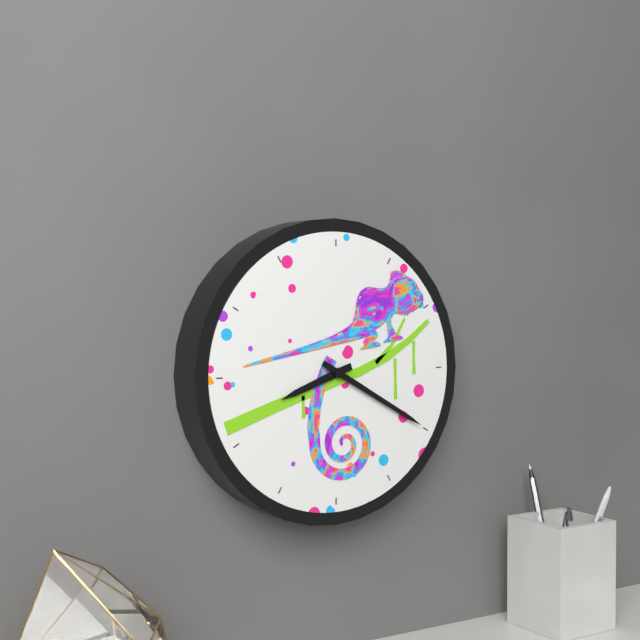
8:20
